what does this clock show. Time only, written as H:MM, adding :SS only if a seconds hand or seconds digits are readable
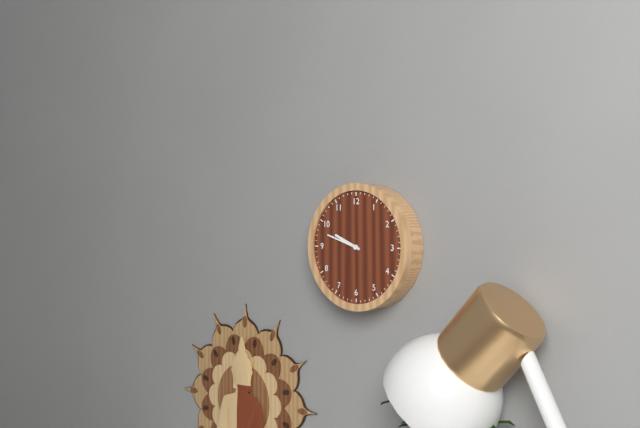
9:48
